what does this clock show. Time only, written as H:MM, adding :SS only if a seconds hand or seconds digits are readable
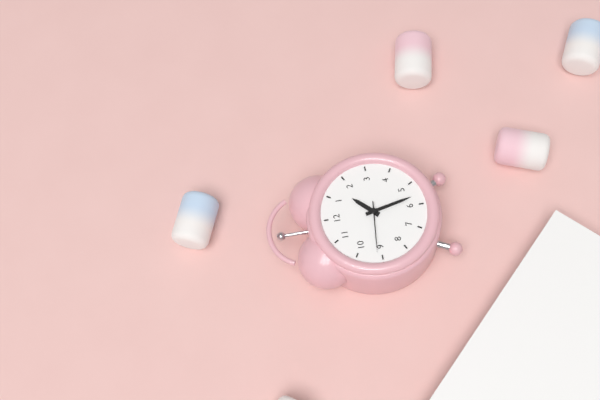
1:28:46
